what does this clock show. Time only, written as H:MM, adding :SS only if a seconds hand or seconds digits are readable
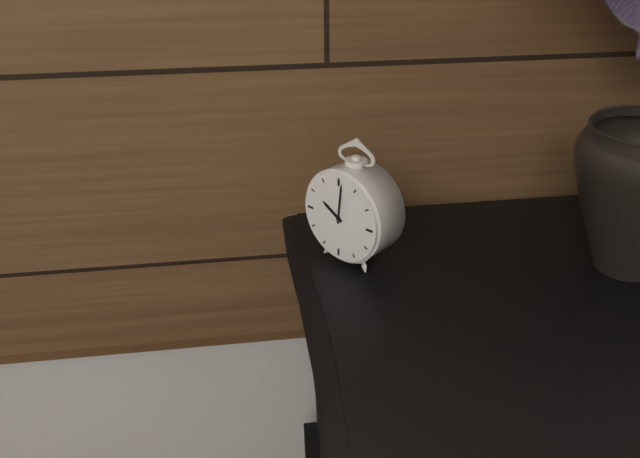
10:01
